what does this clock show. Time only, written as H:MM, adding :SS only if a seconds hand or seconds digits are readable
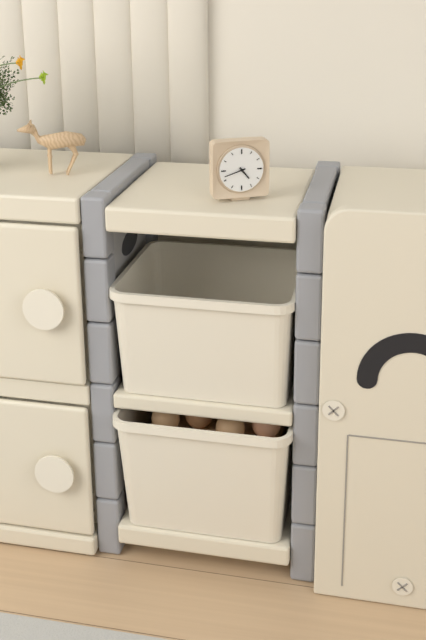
4:42
